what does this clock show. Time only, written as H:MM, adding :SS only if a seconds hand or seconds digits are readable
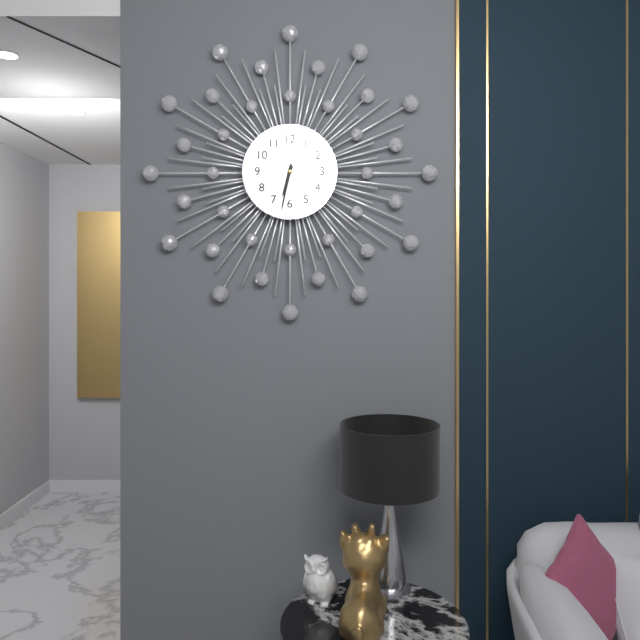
6:32
